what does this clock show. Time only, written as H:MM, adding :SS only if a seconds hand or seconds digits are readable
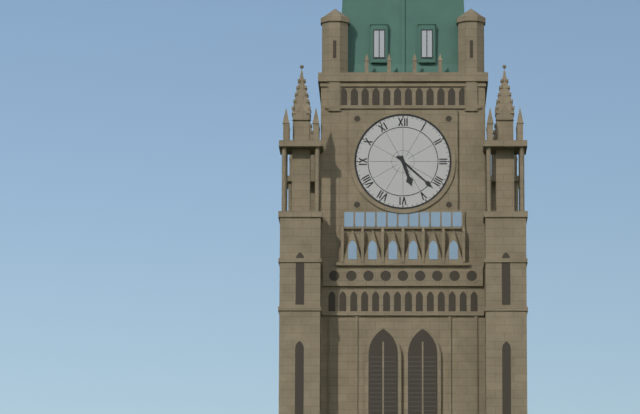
5:22
